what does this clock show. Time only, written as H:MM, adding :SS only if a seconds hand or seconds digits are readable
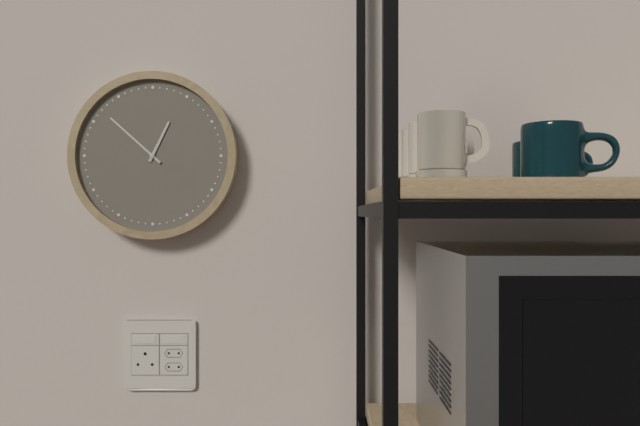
12:52
